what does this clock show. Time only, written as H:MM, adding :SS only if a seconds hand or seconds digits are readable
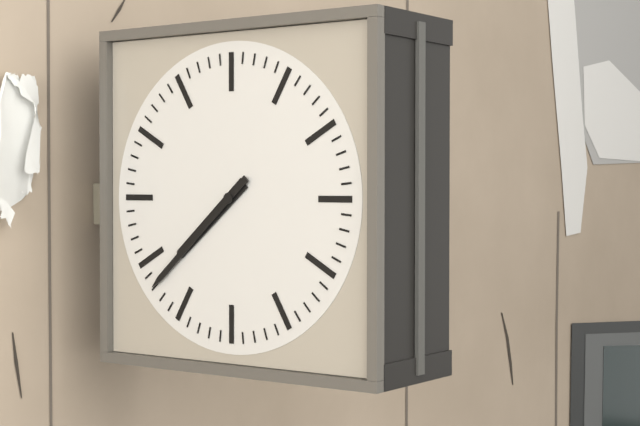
7:38
